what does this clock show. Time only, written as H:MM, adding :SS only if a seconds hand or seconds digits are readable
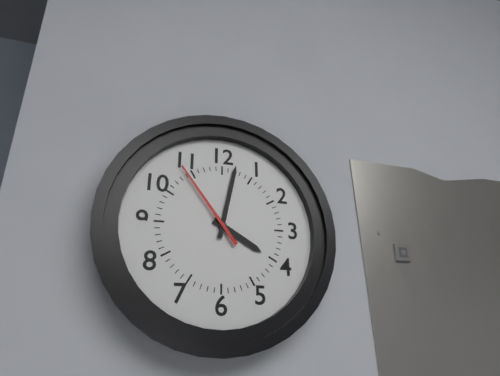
4:02:54
